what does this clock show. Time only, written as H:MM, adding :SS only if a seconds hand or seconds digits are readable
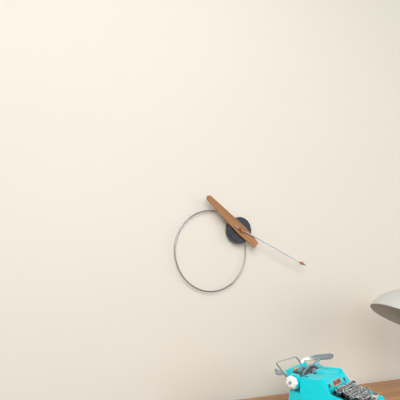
10:19
